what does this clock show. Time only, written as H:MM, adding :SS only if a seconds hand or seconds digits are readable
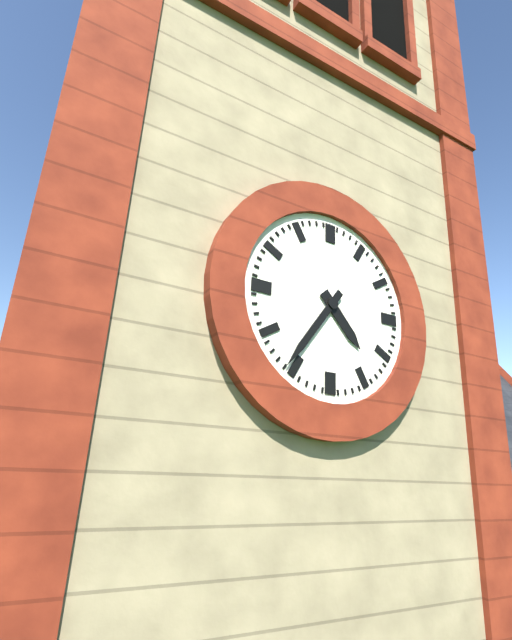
4:36
